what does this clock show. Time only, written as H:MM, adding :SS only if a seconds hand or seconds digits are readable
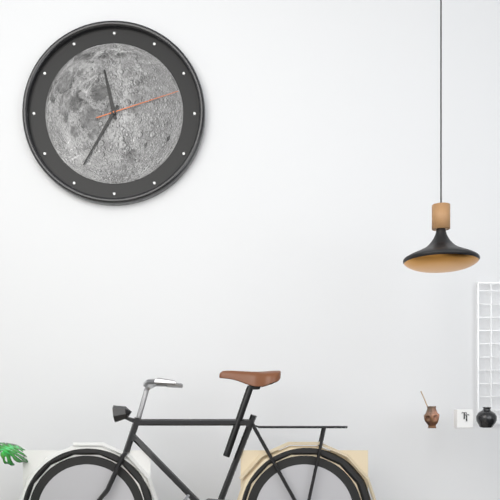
11:35:12
